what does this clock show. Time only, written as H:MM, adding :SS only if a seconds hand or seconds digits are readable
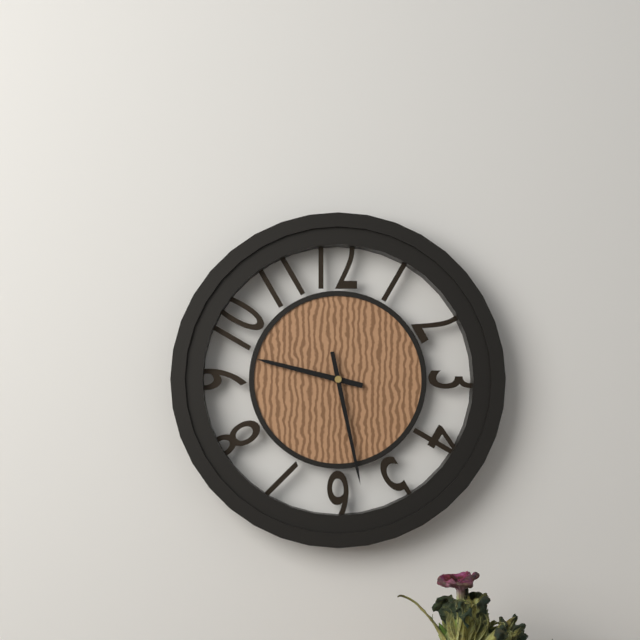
9:28
